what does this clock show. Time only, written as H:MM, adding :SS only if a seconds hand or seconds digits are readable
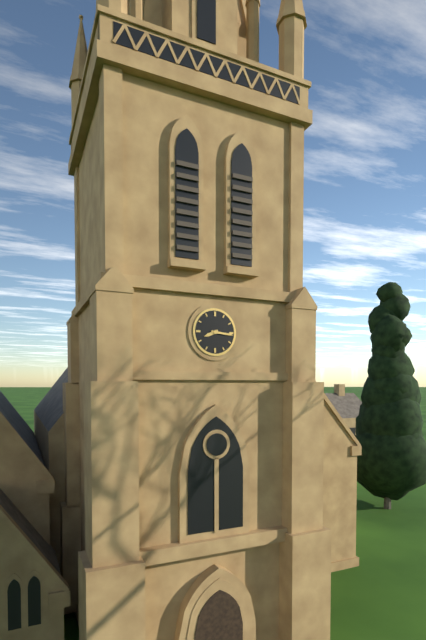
8:16
